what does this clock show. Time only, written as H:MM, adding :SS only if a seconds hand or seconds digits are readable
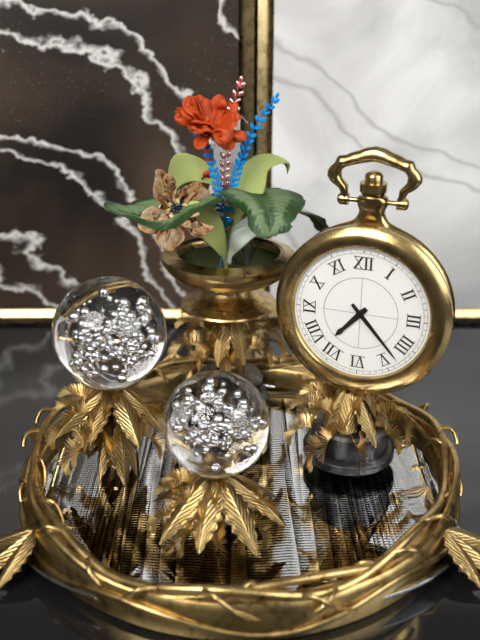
7:23
